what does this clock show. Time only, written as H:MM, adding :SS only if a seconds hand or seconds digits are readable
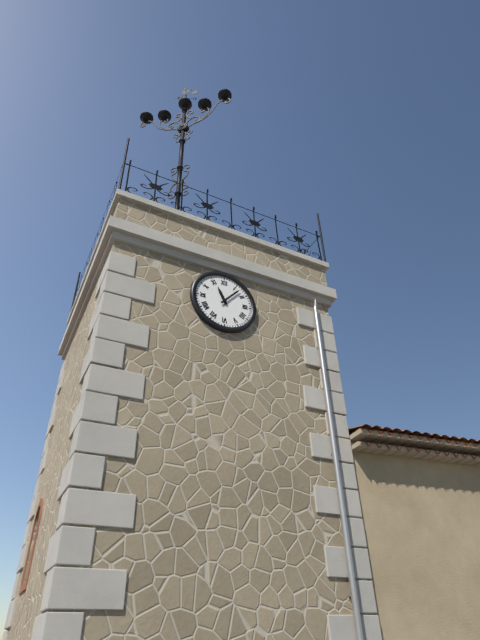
11:07
